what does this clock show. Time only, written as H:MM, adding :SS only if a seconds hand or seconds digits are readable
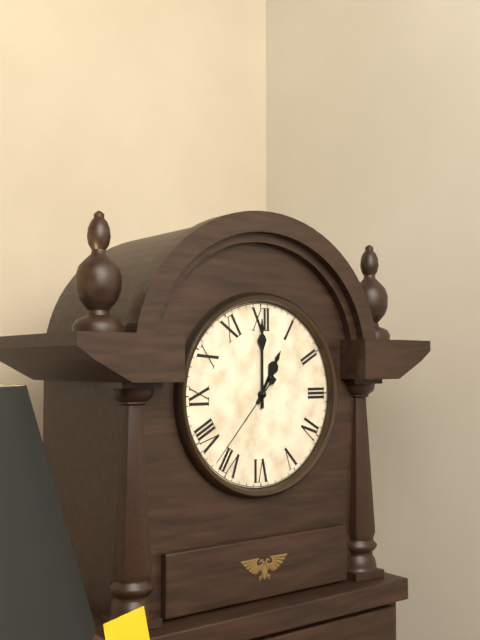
1:00:37
